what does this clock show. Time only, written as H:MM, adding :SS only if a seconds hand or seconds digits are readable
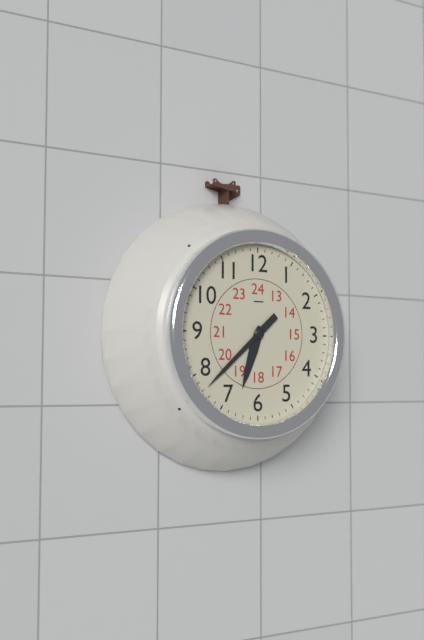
6:38
